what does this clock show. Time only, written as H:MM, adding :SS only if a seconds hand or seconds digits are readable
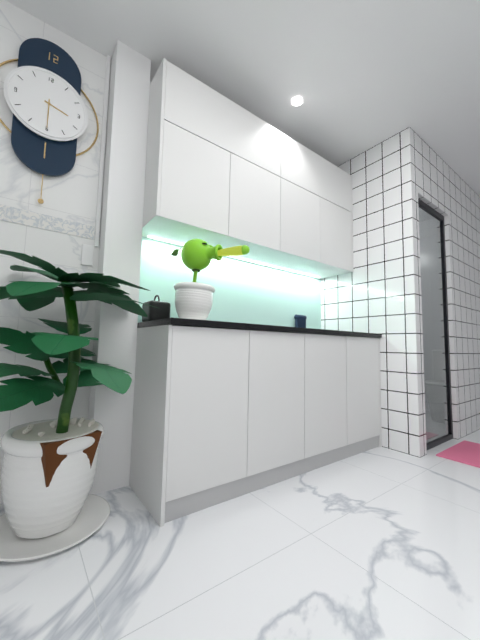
3:30
